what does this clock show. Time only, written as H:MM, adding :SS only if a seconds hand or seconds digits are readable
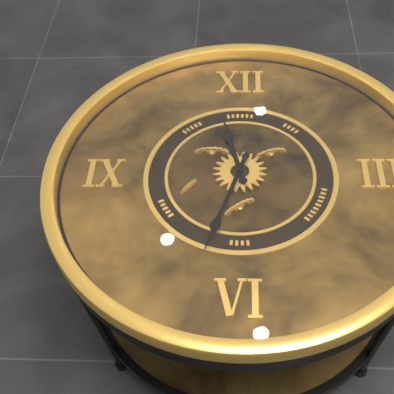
11:33
